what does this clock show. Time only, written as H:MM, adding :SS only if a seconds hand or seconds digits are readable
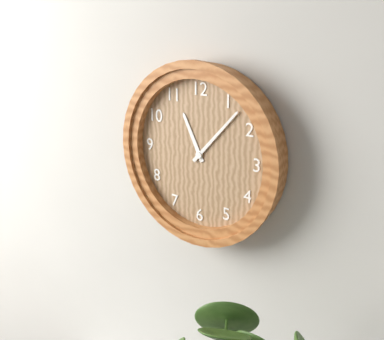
11:07
